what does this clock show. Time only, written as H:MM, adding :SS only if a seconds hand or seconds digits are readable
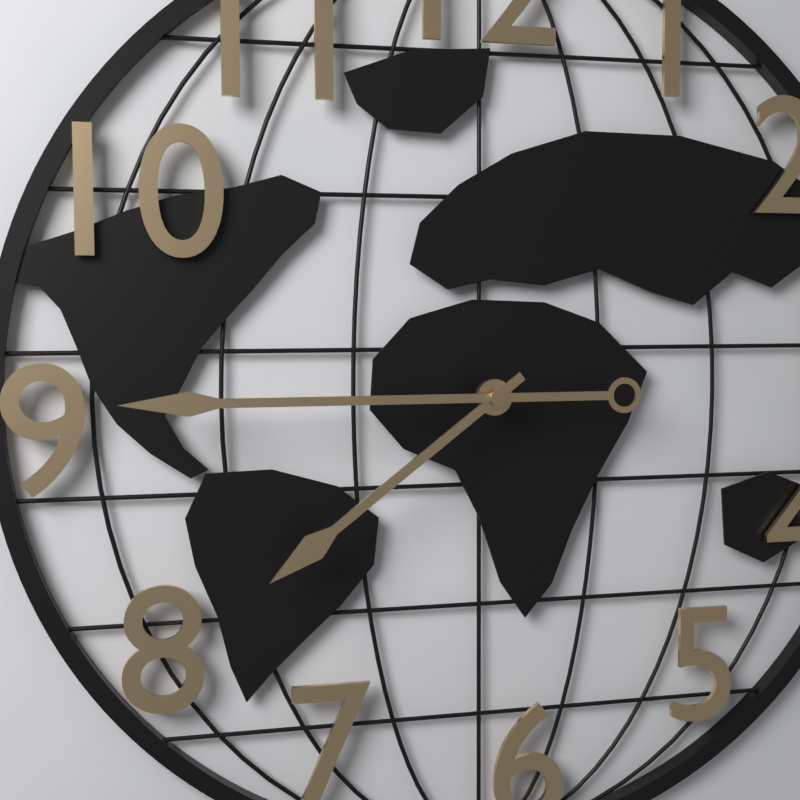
7:45
